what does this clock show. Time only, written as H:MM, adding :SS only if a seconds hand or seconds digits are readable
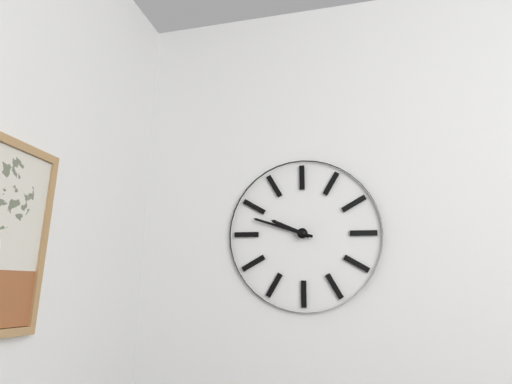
9:48
